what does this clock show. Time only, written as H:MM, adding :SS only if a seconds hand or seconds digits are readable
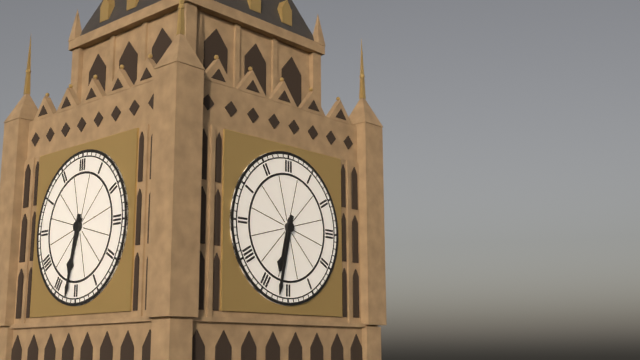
6:32
